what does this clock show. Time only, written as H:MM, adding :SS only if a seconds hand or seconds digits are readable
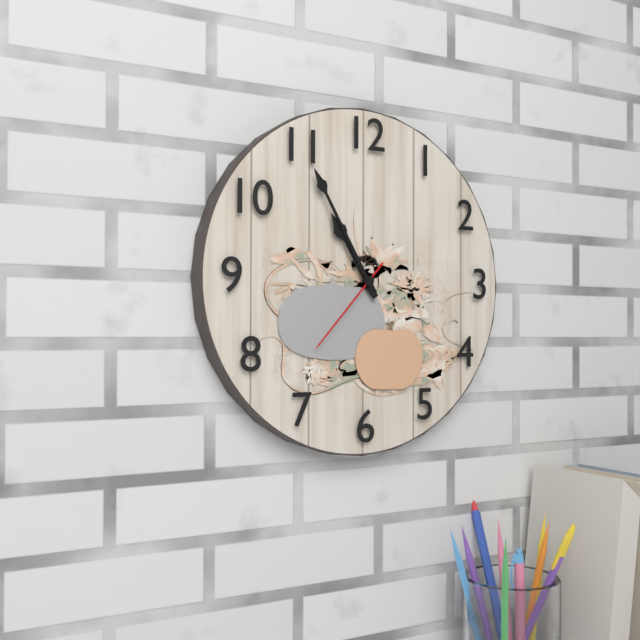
10:55:37
